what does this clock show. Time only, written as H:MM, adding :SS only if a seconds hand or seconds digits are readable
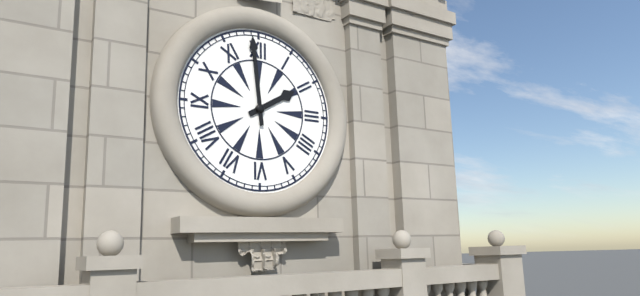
1:59
